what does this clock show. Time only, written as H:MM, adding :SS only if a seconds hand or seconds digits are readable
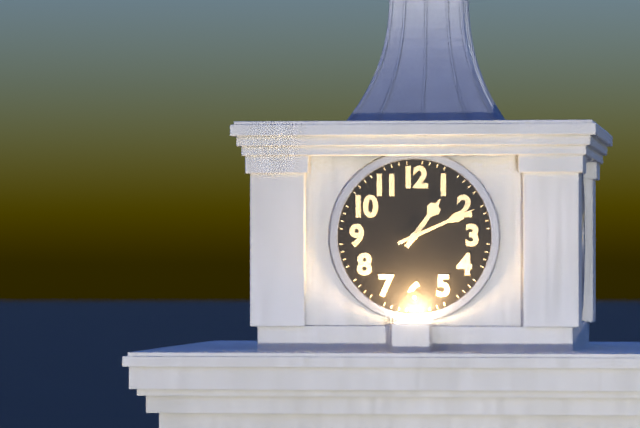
1:11
